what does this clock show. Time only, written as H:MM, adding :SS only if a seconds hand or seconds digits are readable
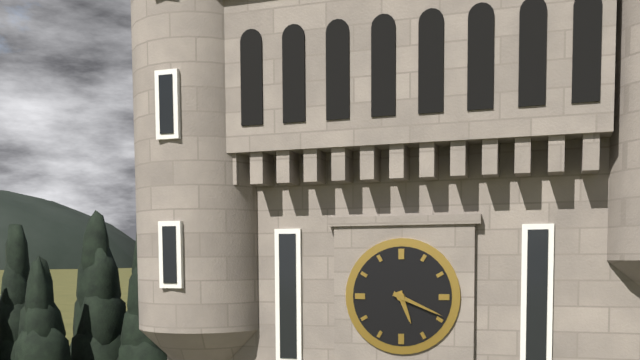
5:19
